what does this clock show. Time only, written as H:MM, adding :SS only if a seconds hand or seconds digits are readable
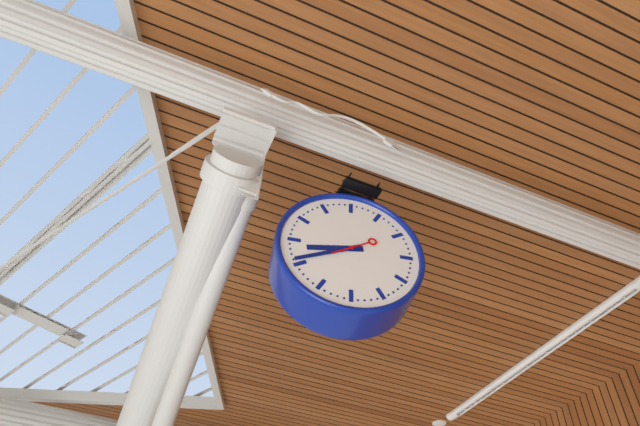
8:41
